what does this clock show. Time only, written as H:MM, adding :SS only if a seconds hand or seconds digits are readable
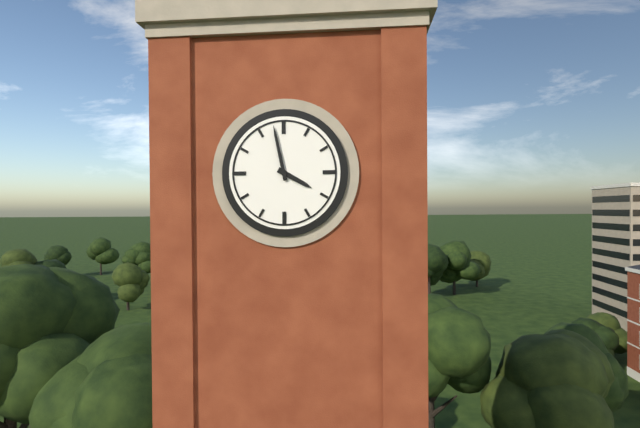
3:58
